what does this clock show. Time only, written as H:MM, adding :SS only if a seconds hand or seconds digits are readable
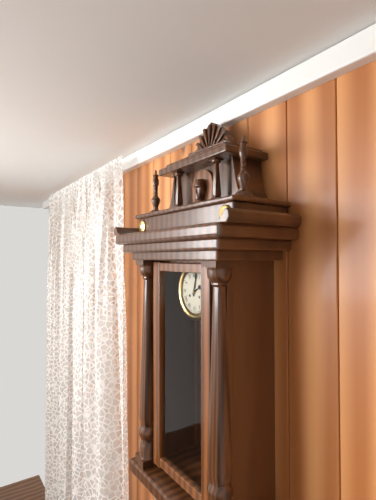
2:02
